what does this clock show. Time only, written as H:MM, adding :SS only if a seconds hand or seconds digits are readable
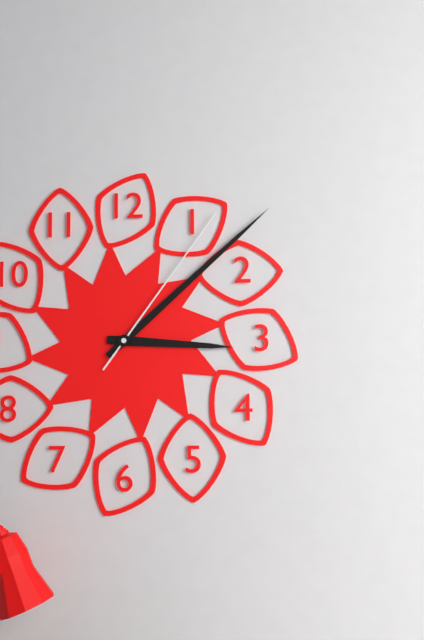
3:08:06
